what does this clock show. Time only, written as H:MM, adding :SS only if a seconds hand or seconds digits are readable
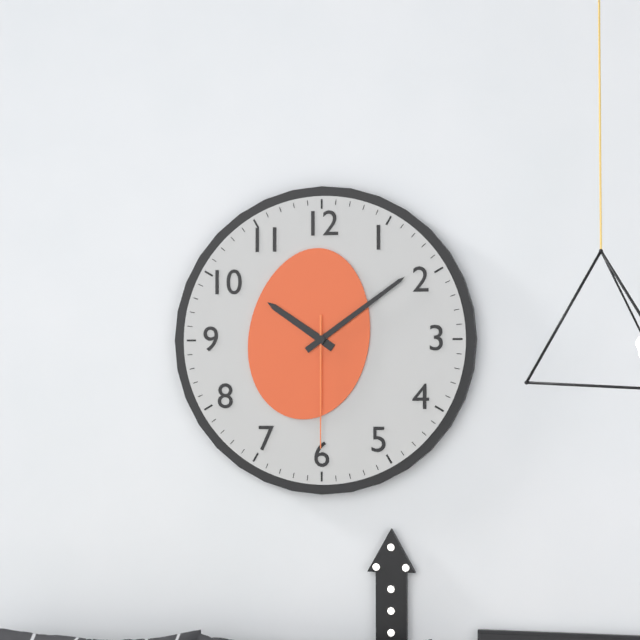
10:09:30
